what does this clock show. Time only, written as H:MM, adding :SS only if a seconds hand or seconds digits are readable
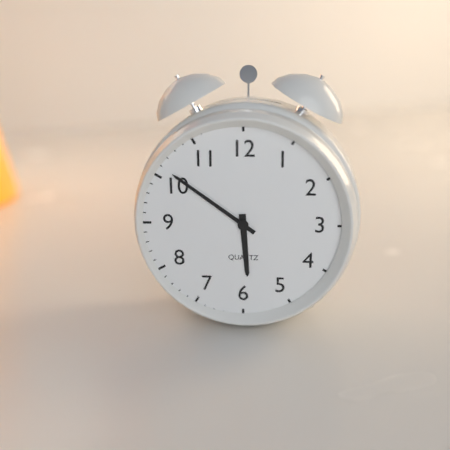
5:51
